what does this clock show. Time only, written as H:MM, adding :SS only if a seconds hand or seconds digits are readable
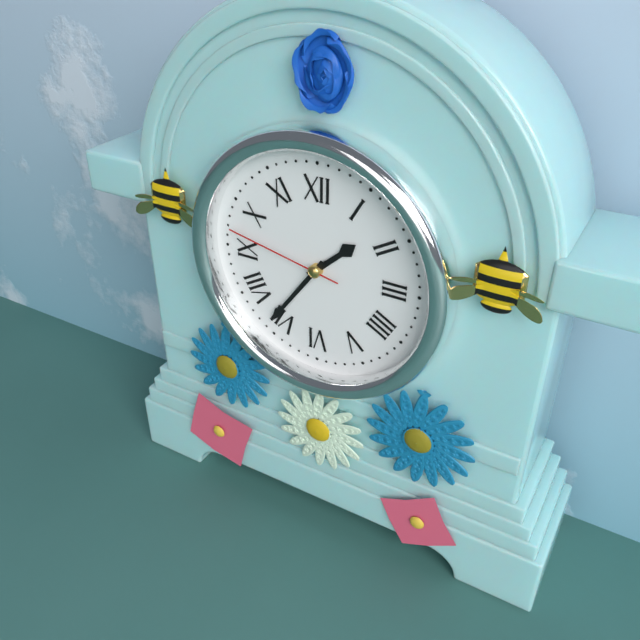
1:36:47
